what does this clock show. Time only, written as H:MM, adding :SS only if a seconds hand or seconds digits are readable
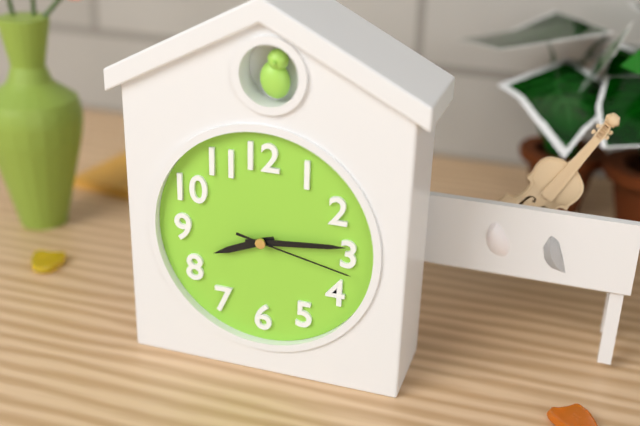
8:14:17
